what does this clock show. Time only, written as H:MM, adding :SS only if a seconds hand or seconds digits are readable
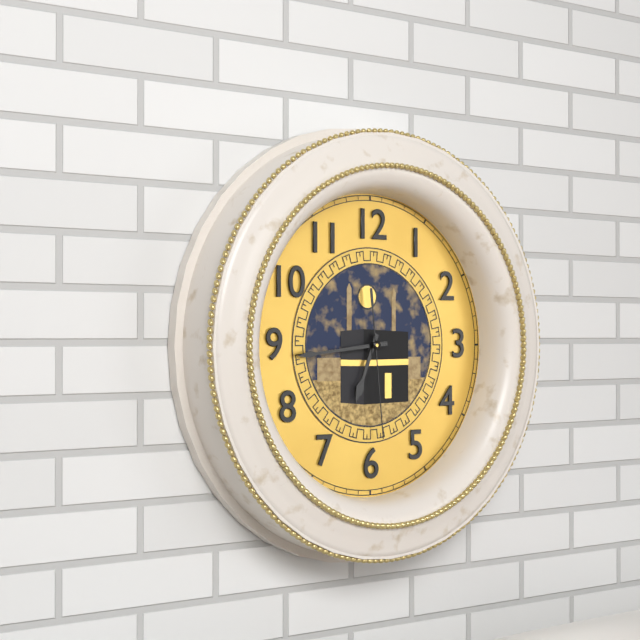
6:44:29
